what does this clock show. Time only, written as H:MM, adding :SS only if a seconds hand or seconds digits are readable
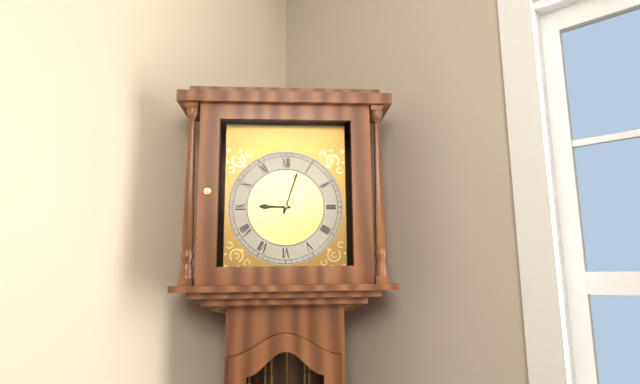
9:03
